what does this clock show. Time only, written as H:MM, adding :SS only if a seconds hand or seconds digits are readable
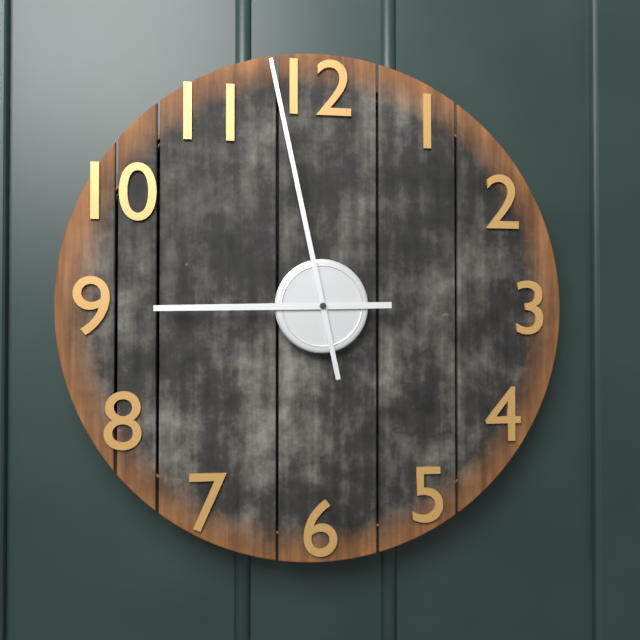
8:58
